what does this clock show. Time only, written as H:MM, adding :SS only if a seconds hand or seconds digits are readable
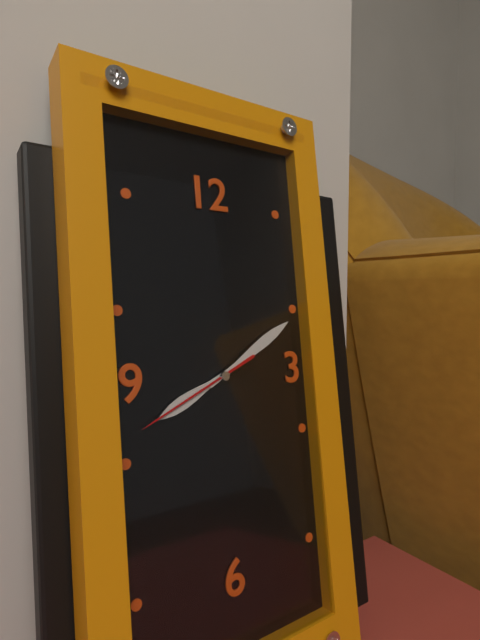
8:10:41
